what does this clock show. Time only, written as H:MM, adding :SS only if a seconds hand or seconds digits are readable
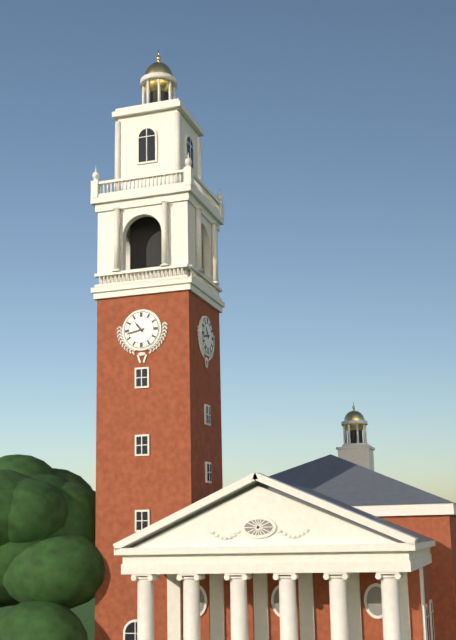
10:43
